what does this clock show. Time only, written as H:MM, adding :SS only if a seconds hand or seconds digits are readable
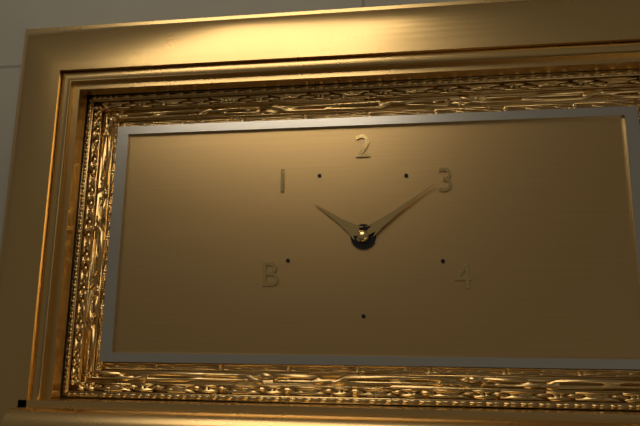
10:09
